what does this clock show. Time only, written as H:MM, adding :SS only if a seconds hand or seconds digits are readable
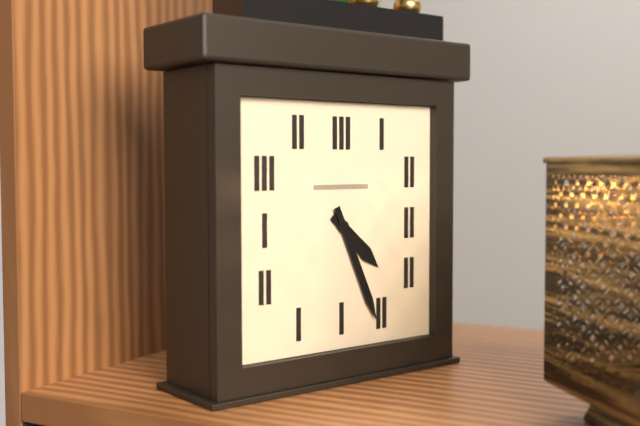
4:26
